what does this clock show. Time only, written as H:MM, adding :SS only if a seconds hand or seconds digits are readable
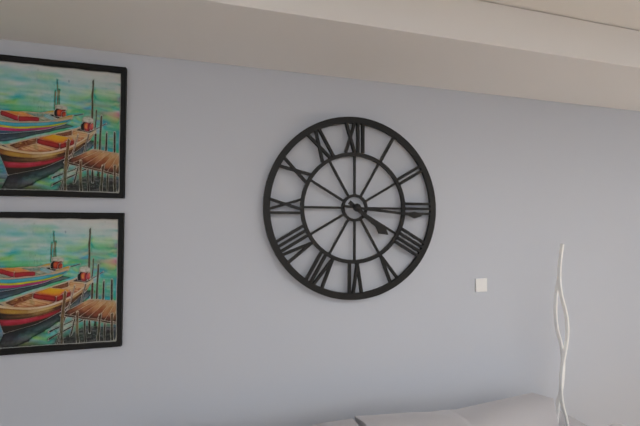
4:16
